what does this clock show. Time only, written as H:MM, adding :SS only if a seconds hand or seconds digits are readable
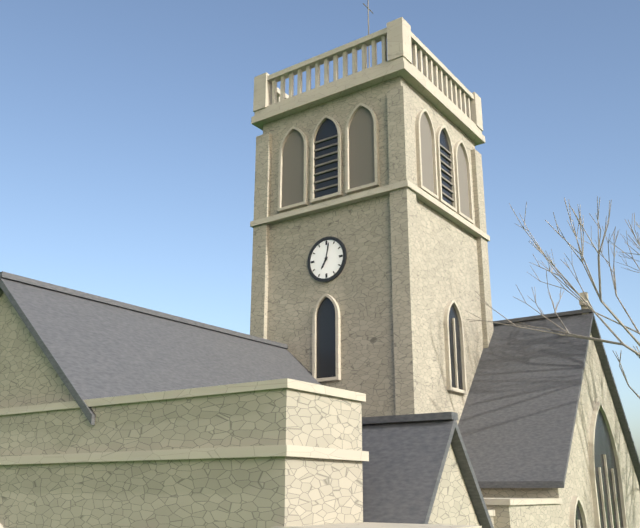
7:02
